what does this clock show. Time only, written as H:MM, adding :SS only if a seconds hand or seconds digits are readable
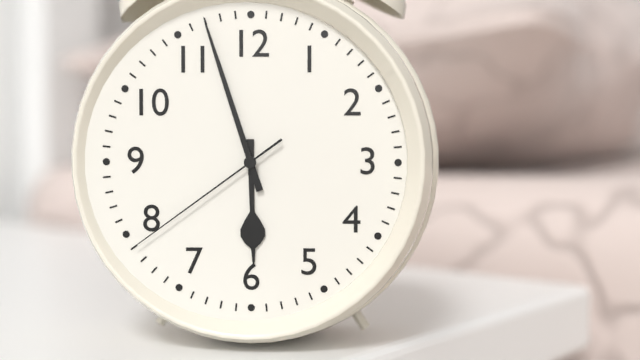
5:57:39
